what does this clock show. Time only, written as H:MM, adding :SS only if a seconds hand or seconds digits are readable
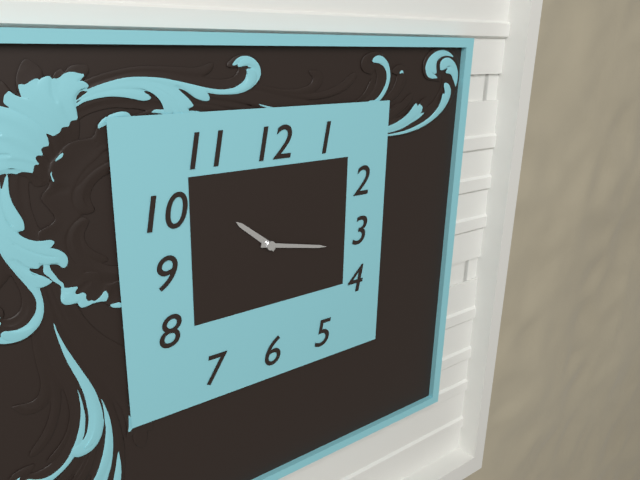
10:17
